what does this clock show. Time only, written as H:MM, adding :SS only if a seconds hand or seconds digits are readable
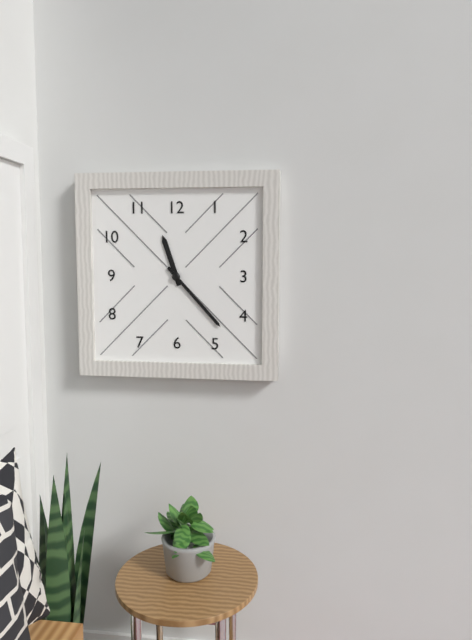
11:23
